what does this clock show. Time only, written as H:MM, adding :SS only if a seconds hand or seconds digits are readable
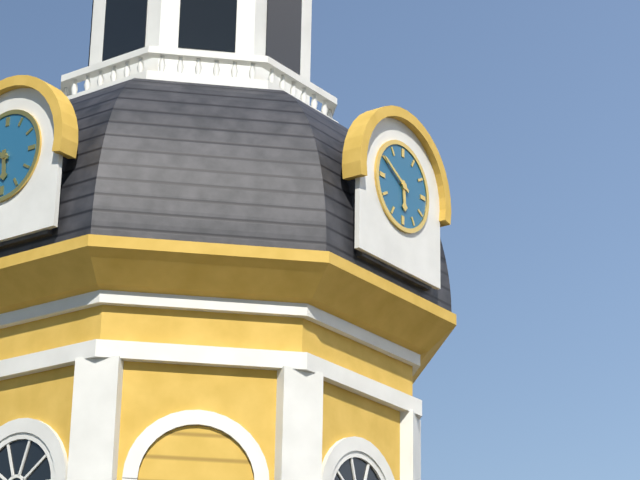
5:50
